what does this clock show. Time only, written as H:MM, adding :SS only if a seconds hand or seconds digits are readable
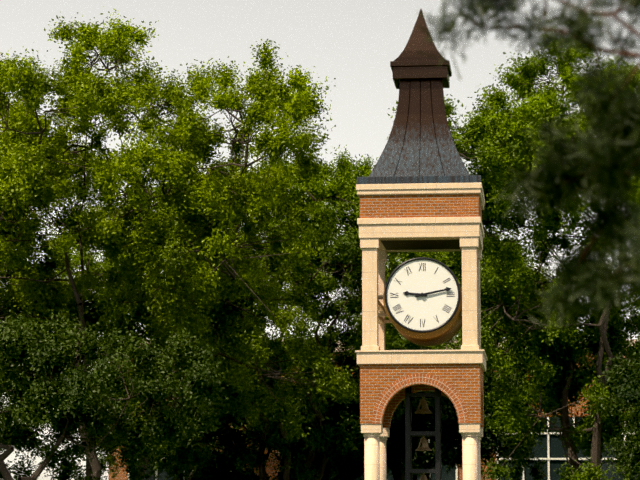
9:13
